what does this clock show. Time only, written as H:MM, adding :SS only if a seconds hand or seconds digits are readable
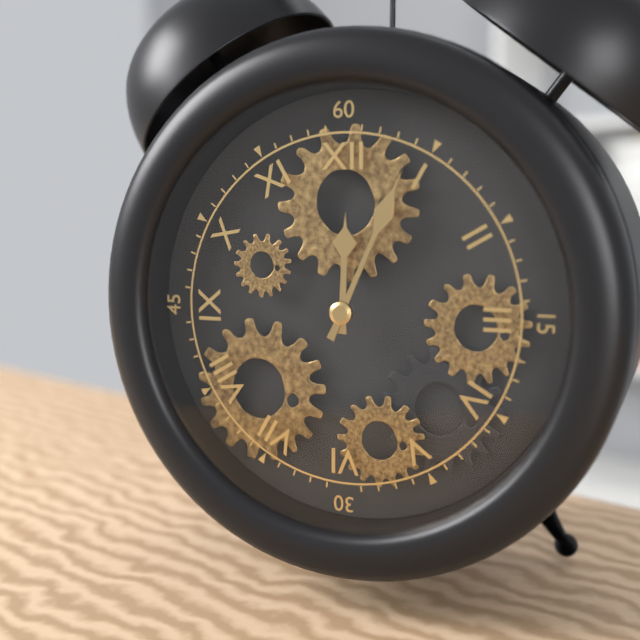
12:04
